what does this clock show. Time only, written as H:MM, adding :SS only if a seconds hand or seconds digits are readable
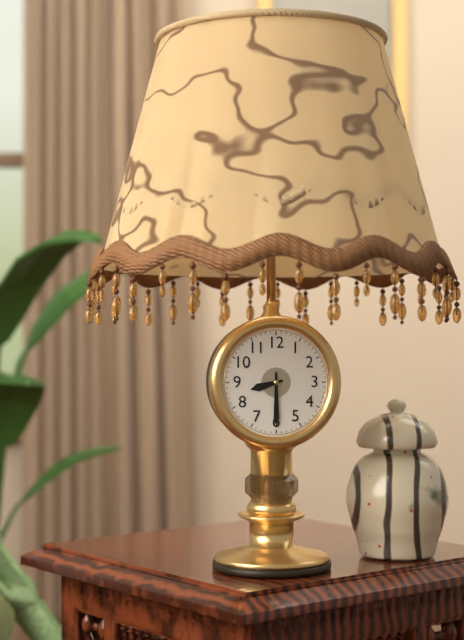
8:30
